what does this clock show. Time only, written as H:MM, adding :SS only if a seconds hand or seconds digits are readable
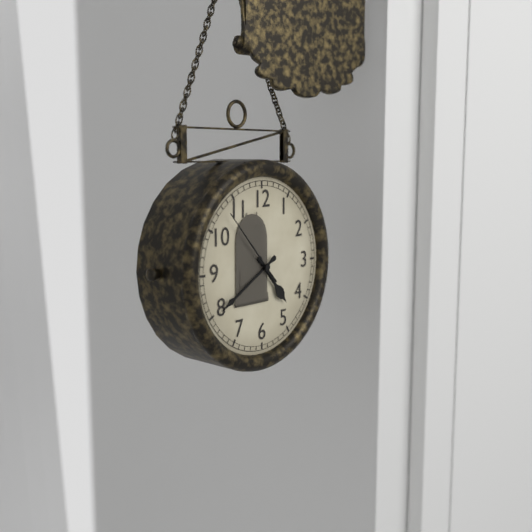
4:40:53
